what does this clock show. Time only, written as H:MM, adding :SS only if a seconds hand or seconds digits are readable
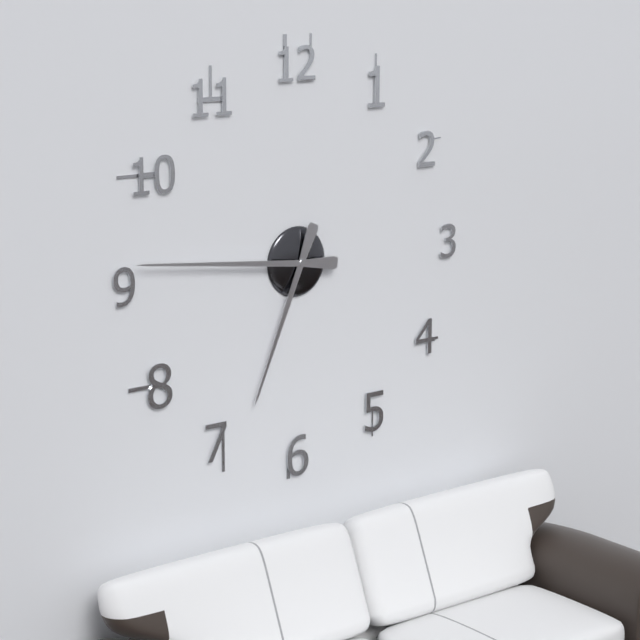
6:46
